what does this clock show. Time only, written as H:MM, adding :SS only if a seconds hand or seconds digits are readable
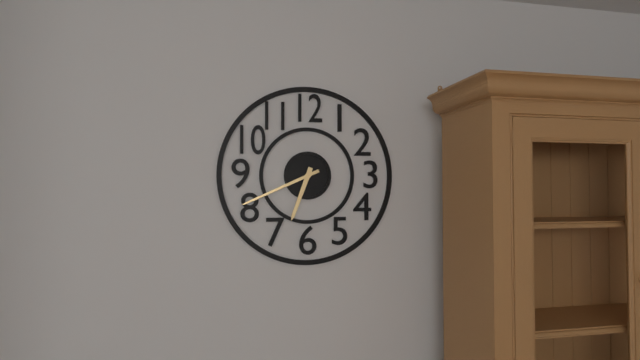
6:41
